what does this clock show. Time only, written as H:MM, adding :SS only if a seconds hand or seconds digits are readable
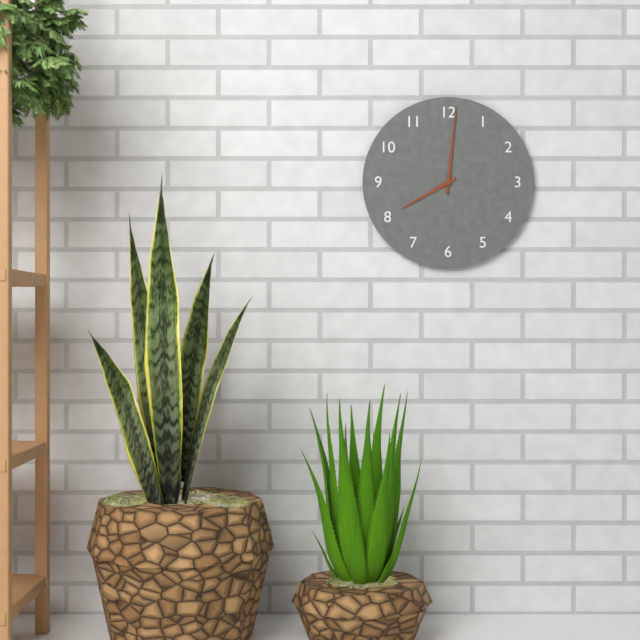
8:01
